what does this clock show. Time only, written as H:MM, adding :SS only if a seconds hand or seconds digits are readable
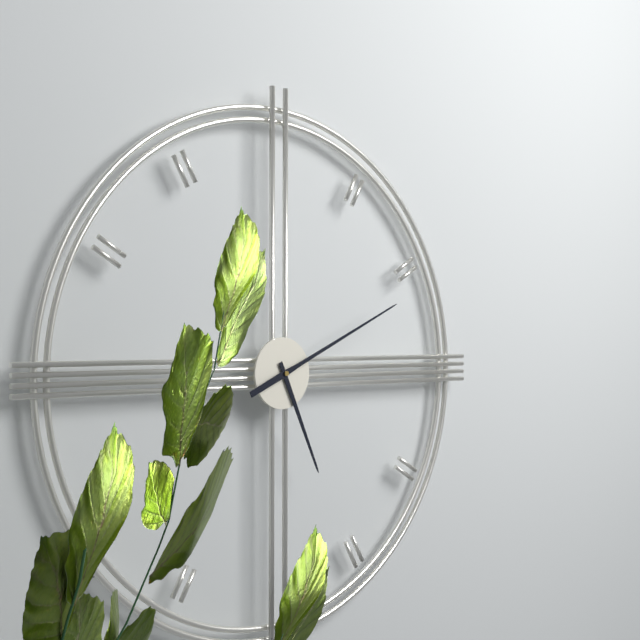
5:11
